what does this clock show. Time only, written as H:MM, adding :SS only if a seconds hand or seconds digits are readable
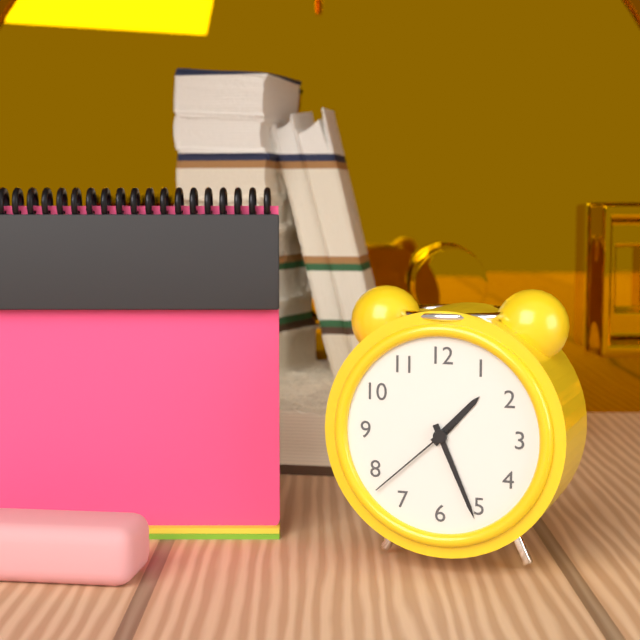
1:26:38
